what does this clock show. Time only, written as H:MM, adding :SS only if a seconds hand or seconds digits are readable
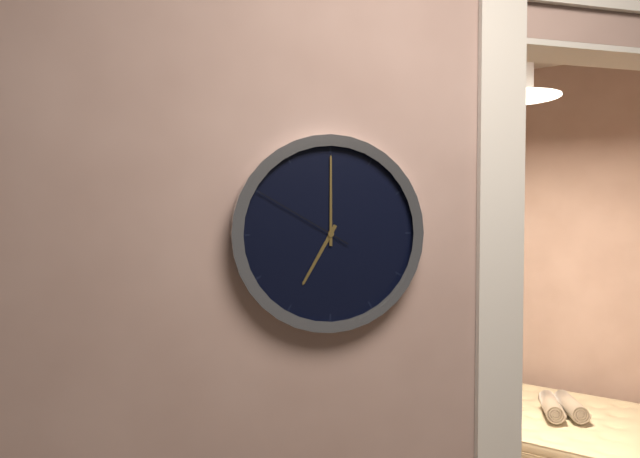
7:00:50
